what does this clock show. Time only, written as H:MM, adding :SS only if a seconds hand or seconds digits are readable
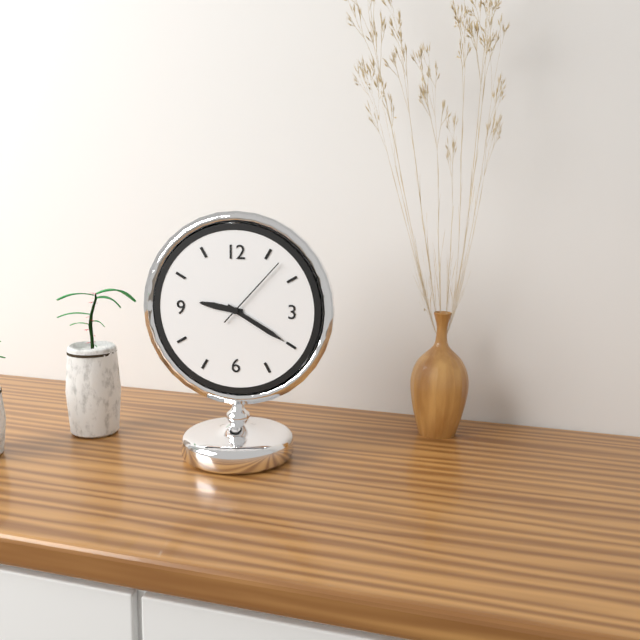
9:20:07
